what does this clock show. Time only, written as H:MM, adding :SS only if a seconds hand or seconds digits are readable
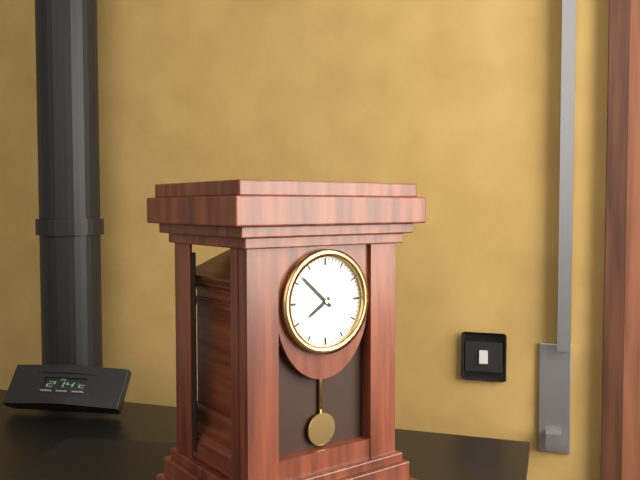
7:52
